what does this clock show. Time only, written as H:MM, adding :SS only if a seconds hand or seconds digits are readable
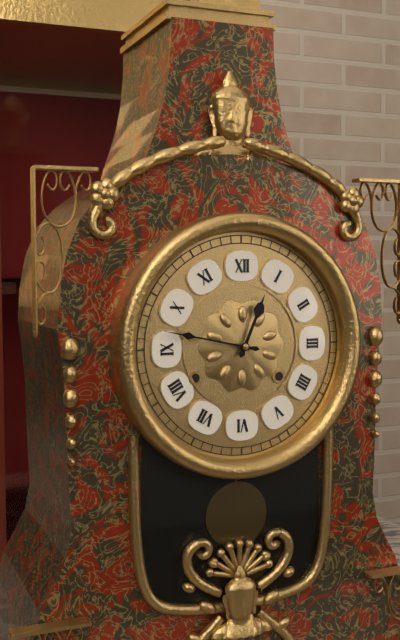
12:47
